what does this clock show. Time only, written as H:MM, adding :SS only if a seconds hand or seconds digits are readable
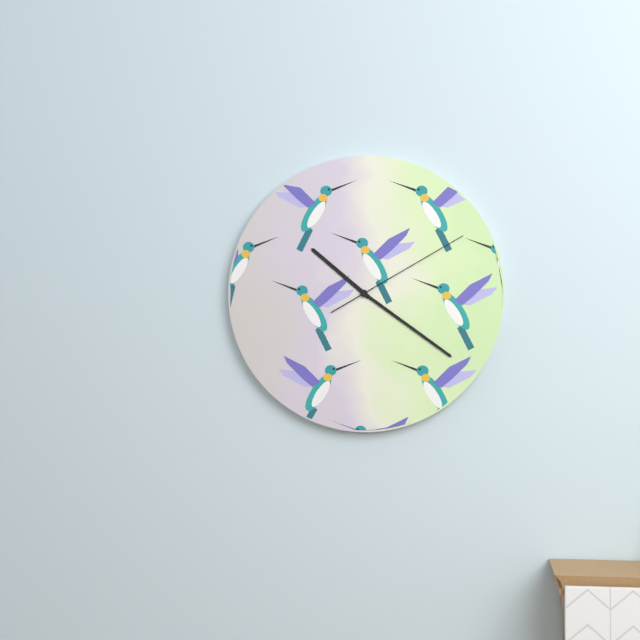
10:21:10
